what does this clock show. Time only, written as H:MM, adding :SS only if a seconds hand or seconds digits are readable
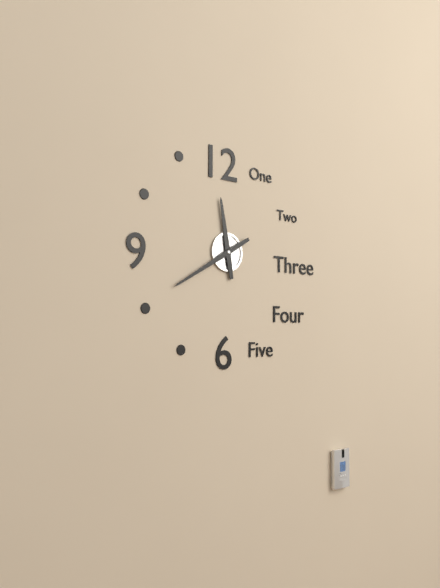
11:40
